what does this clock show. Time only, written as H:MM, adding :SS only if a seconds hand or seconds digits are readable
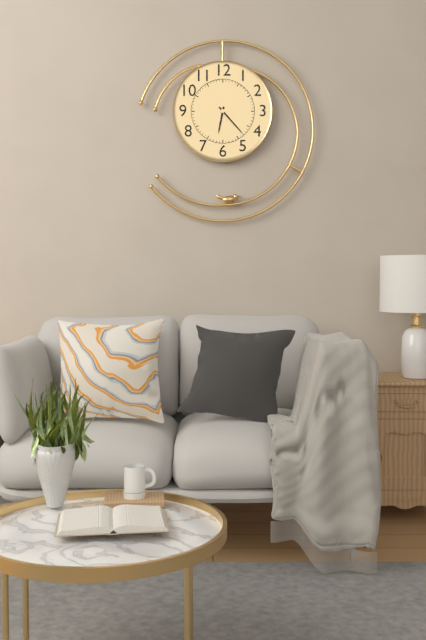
6:23
